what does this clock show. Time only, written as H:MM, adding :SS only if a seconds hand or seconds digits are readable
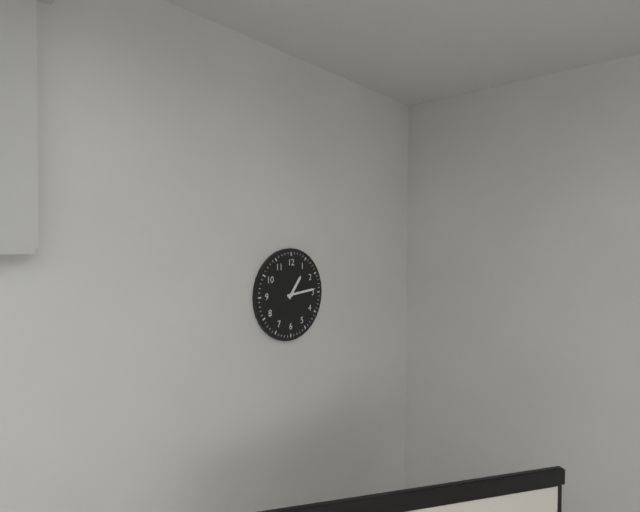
1:14
